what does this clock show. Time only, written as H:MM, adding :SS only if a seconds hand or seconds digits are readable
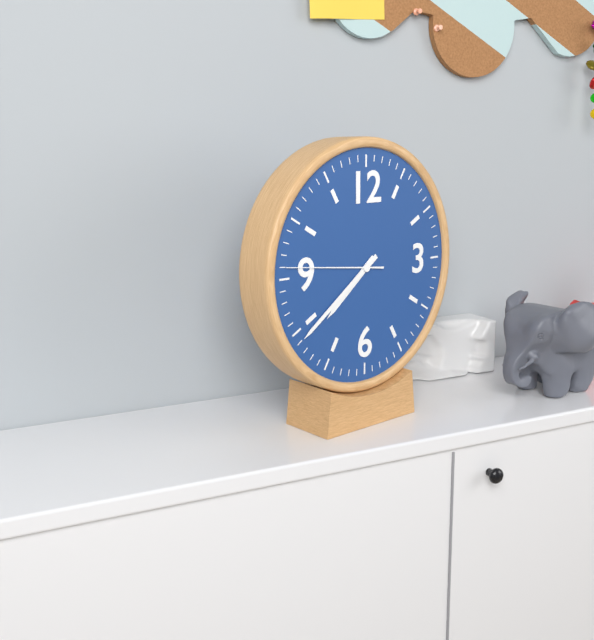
7:39:46
